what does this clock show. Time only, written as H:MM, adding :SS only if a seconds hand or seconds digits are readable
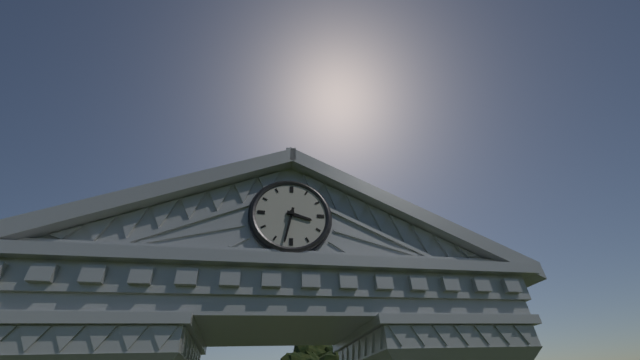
3:32
